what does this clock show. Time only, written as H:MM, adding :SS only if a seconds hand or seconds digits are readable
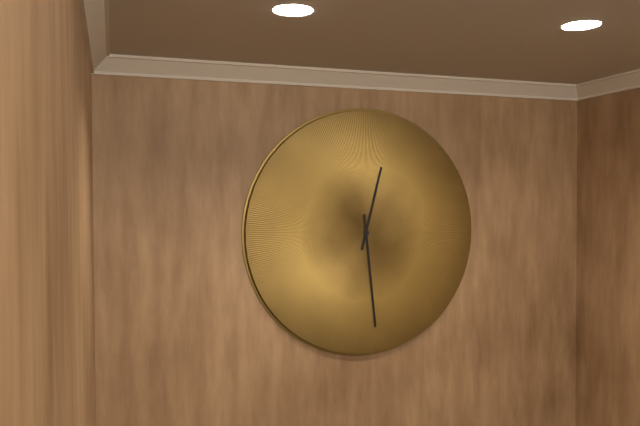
12:29
